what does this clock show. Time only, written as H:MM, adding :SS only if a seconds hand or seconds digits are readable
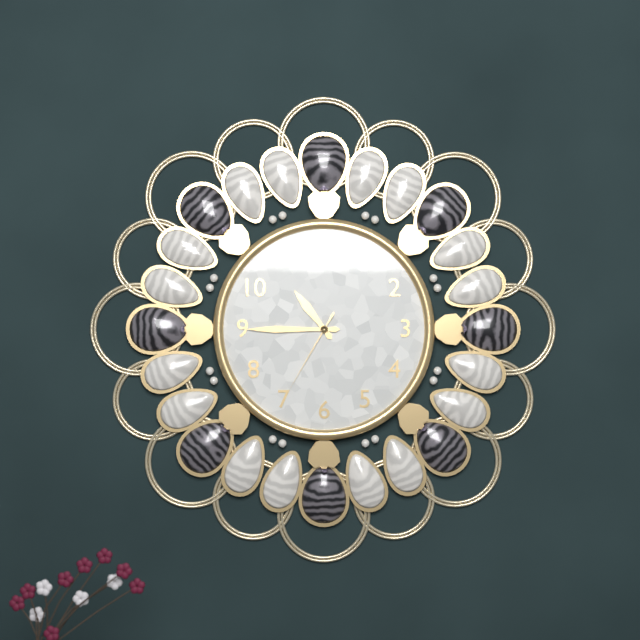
10:45:35
